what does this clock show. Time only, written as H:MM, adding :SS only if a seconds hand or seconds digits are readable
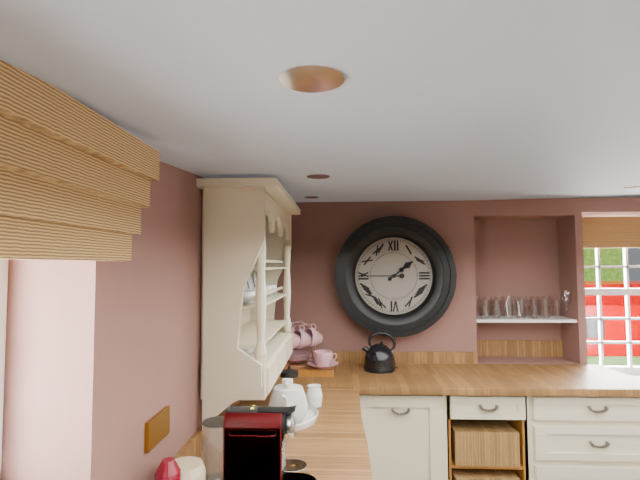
1:45
